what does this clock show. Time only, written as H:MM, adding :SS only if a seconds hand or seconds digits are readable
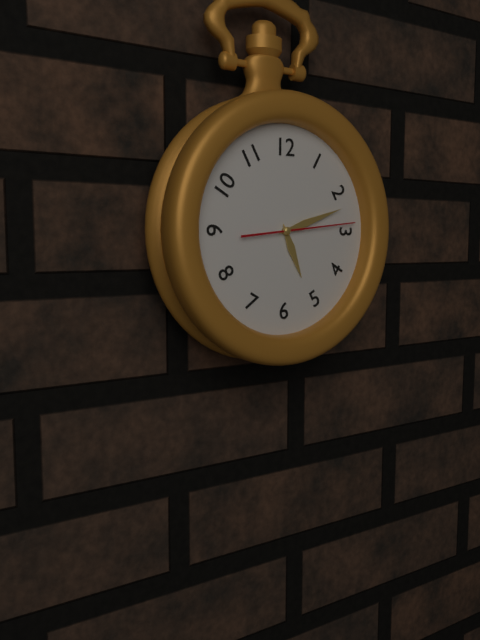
5:12:14
